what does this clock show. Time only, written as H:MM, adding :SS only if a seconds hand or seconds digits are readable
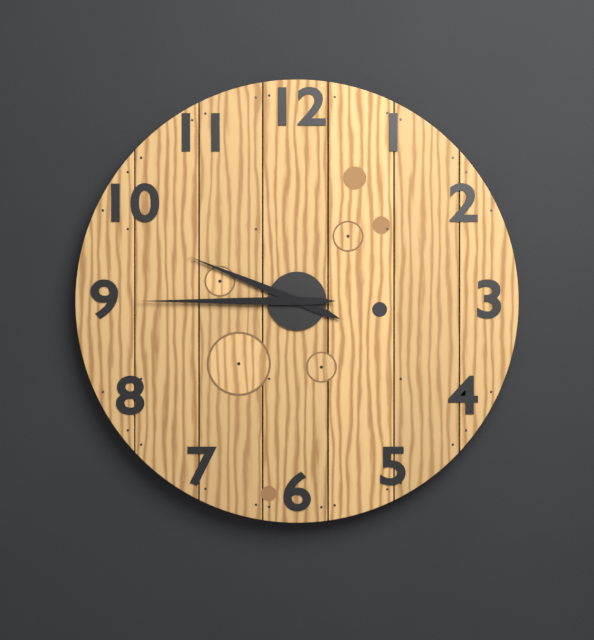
9:45
